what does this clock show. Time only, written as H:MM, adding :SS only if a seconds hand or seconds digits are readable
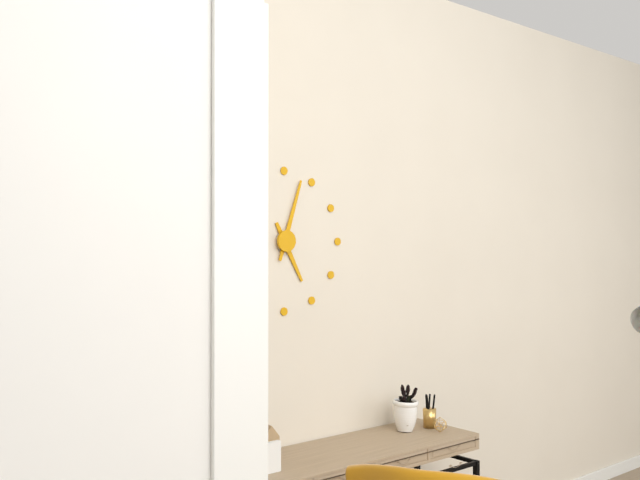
5:03
